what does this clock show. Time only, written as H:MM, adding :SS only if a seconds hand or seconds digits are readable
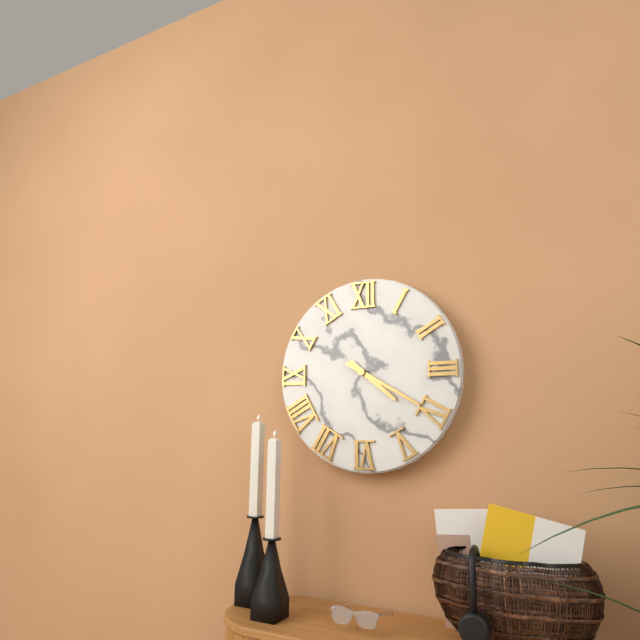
4:20
